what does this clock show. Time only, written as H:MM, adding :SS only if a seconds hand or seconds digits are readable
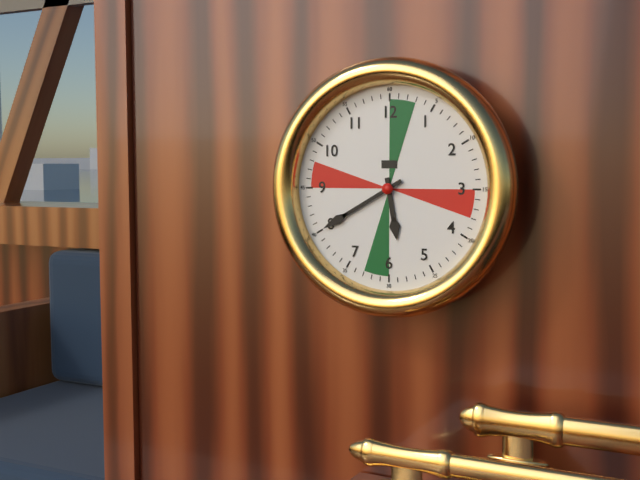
5:40
